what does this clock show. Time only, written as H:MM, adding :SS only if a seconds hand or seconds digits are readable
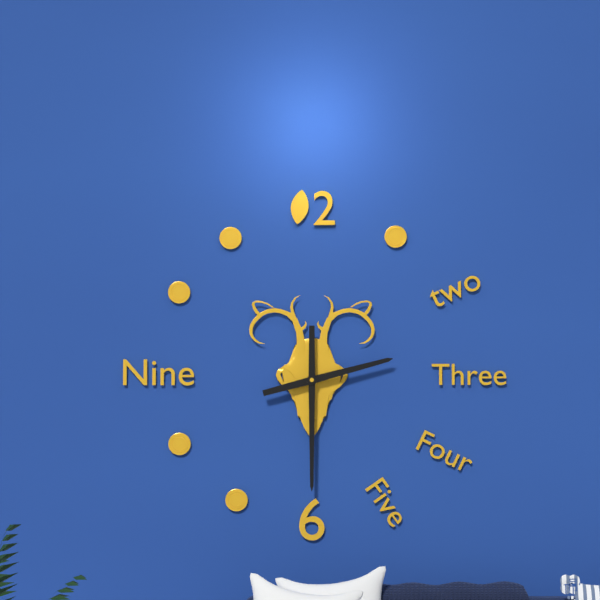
2:30
